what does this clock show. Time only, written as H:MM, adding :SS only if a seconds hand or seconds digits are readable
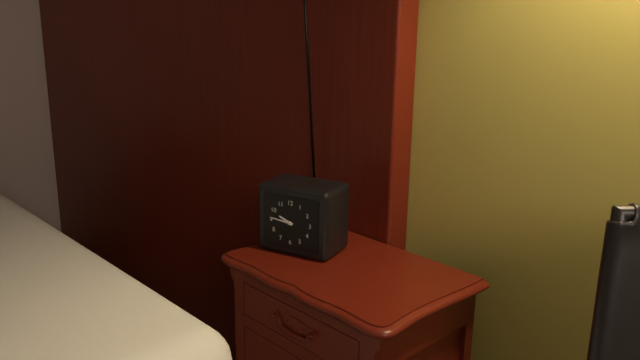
9:46
